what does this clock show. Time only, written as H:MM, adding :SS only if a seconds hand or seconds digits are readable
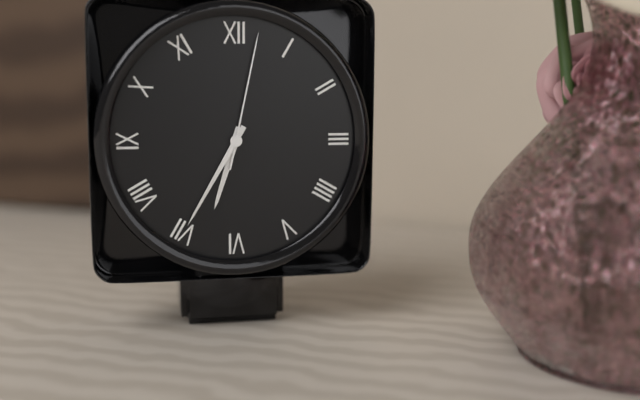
6:35:02
